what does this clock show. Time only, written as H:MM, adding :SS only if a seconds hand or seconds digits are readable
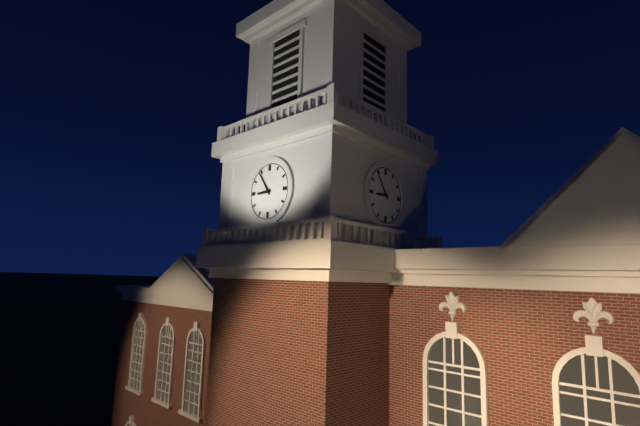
8:54
